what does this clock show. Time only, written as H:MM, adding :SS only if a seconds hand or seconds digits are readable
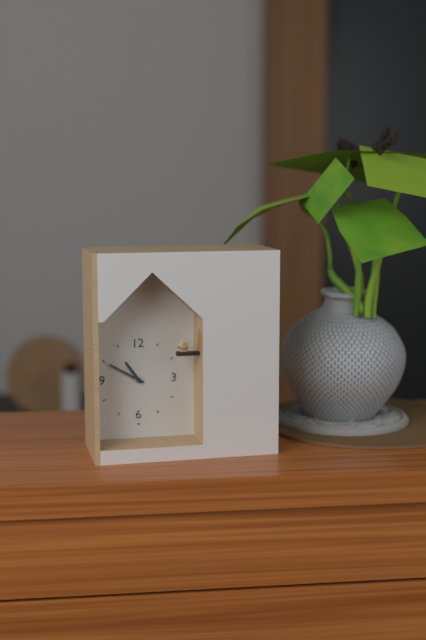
10:50
